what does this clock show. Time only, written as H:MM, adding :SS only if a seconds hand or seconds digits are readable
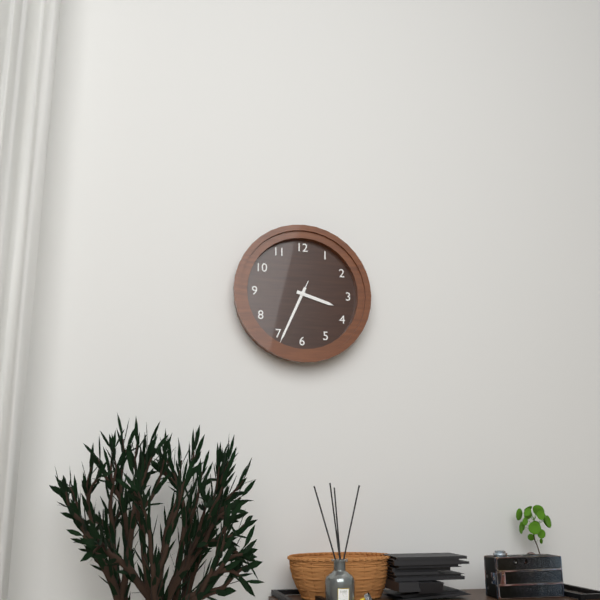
3:34:34
